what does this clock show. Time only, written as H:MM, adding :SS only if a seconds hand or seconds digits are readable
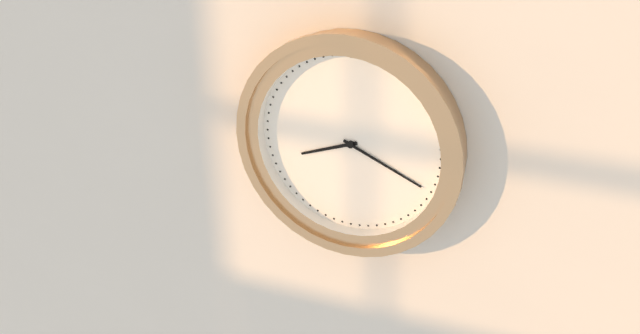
8:19
